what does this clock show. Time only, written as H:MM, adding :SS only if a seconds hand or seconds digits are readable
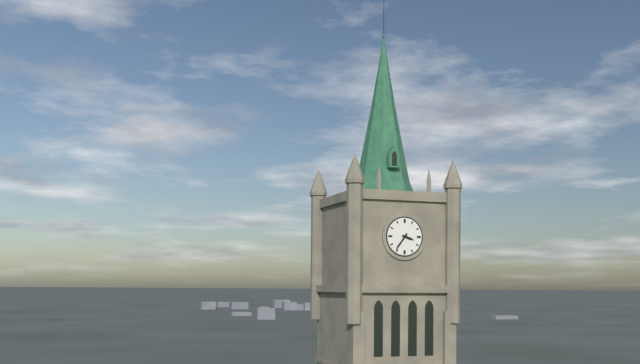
3:36
